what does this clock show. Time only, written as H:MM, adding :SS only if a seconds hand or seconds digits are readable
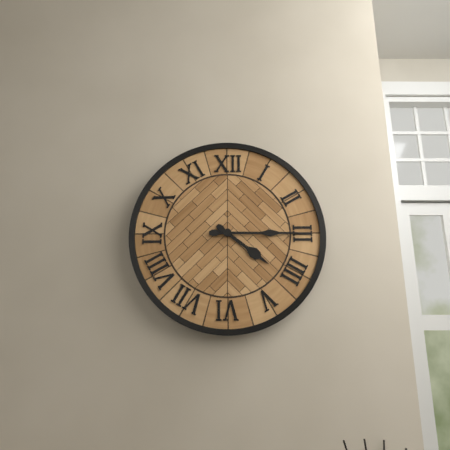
4:15
